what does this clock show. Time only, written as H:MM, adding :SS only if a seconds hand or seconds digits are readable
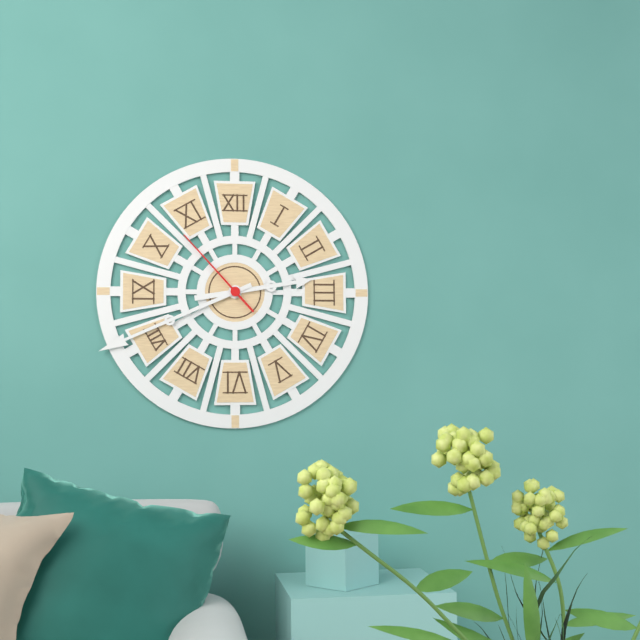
2:41:53
